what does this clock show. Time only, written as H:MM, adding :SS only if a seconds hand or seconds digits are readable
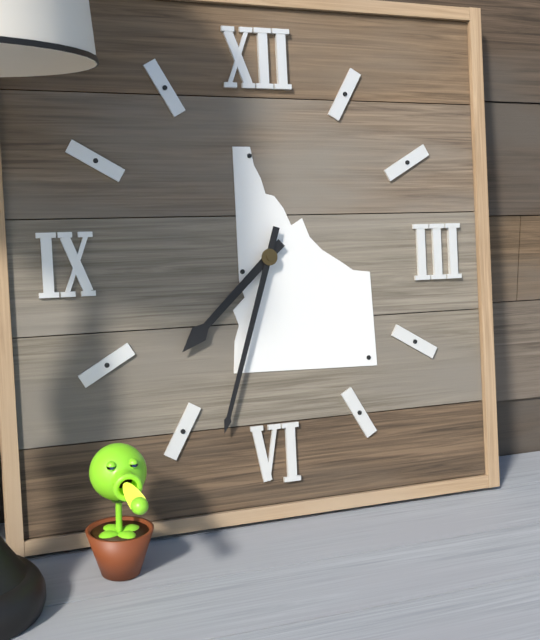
7:33
